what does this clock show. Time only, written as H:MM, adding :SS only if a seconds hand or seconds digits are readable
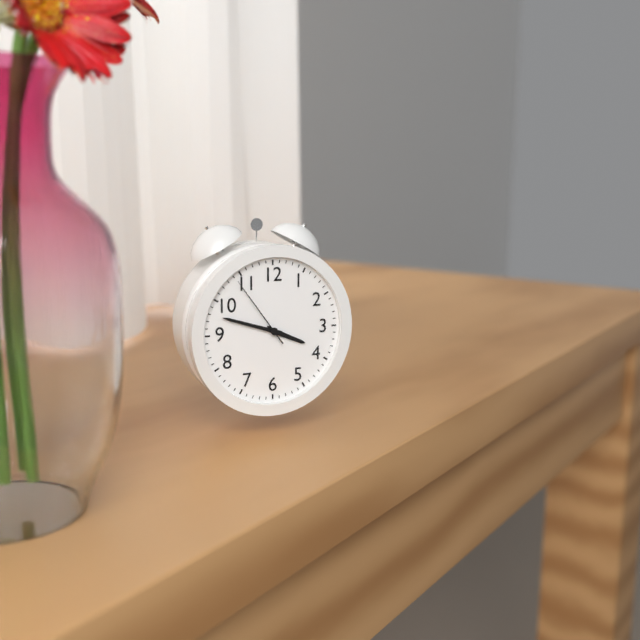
3:48:54
